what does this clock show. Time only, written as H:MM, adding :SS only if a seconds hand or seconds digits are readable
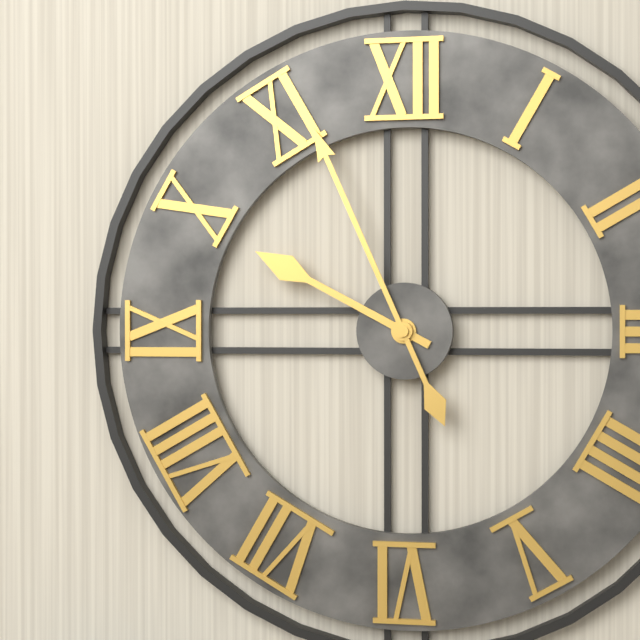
9:56
